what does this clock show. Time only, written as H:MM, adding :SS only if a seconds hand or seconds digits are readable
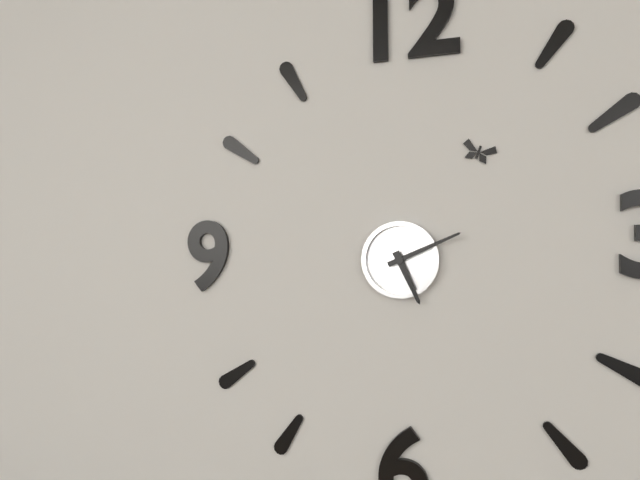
5:11
